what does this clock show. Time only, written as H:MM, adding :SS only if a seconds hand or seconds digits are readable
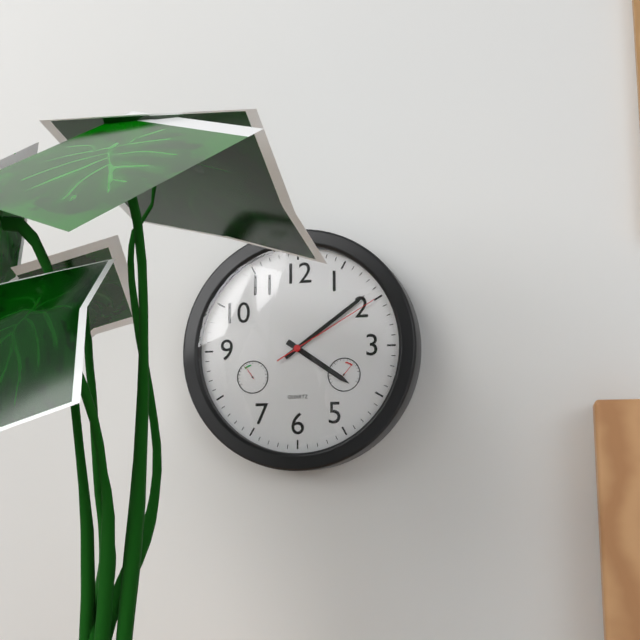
4:09:10
